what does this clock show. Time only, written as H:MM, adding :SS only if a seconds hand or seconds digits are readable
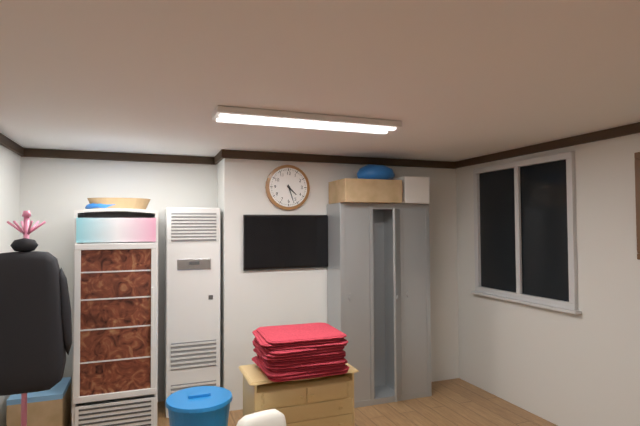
4:27
